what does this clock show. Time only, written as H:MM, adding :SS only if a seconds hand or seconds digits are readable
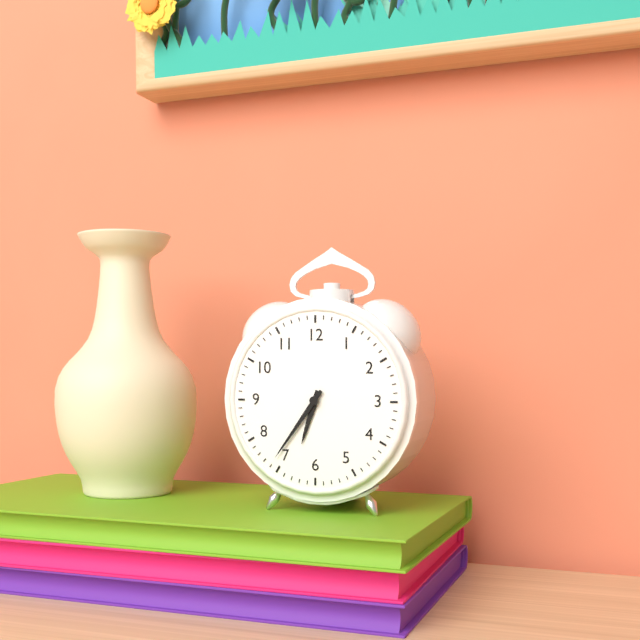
6:36
